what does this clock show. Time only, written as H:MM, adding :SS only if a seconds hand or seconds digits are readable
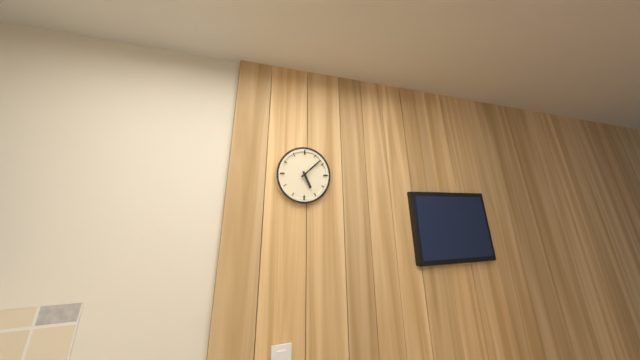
5:08
